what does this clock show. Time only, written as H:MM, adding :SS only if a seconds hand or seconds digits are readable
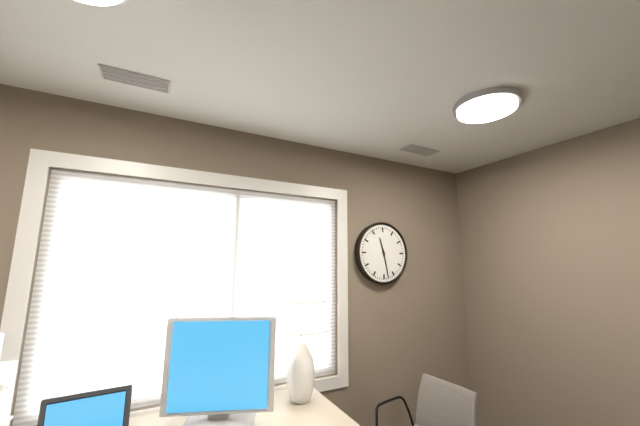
11:28
